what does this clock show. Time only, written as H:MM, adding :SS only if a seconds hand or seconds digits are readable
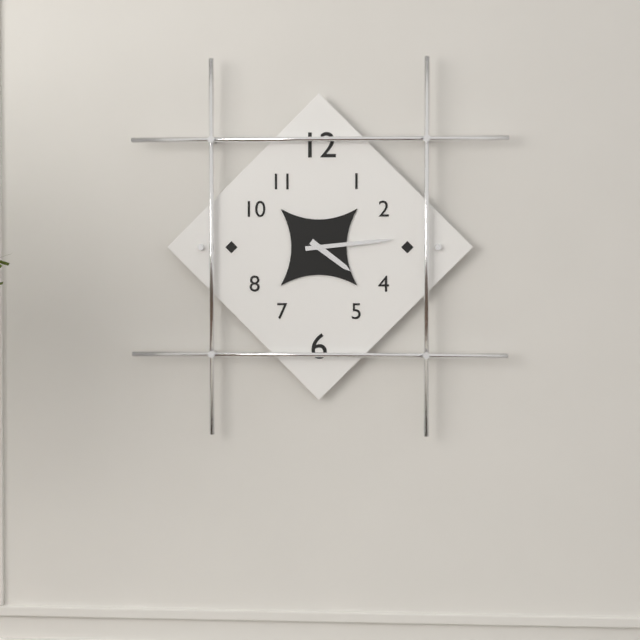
4:14
